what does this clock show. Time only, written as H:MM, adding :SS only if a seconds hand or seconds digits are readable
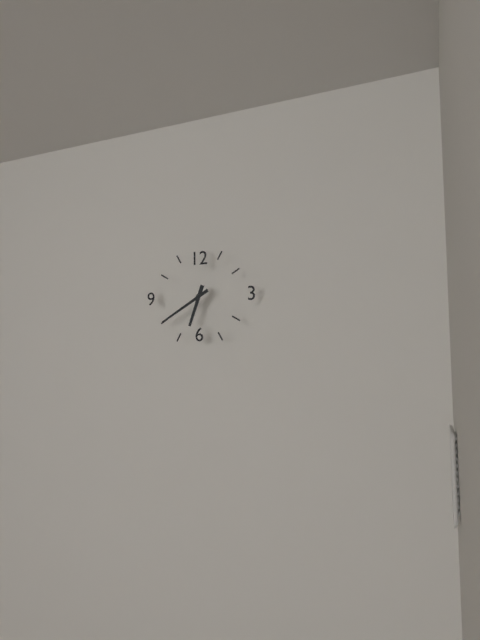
6:40
